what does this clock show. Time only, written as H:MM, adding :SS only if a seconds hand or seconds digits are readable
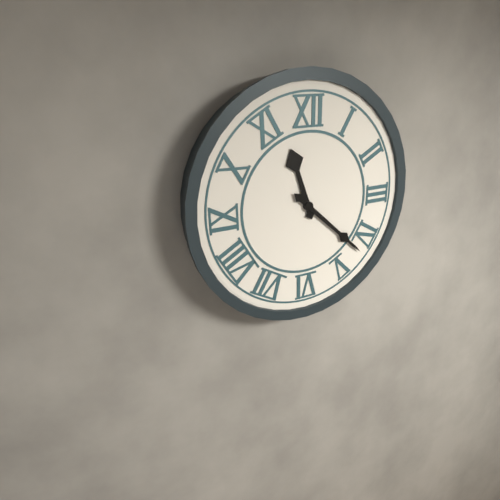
11:22
